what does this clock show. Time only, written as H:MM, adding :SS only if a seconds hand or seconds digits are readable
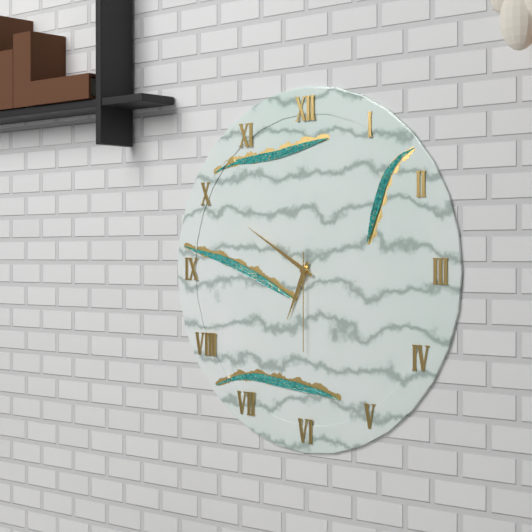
6:50:30
